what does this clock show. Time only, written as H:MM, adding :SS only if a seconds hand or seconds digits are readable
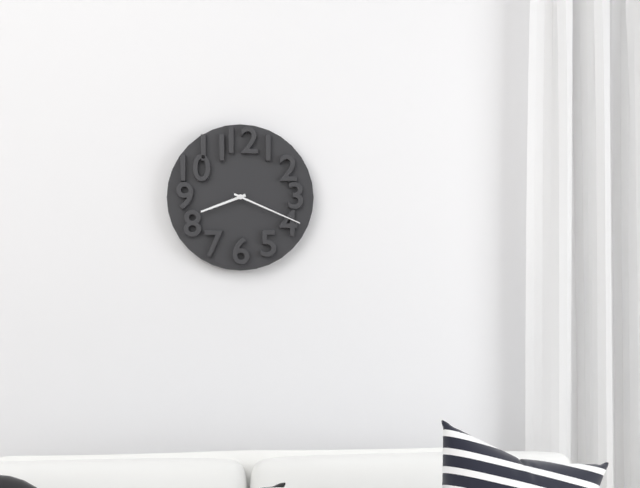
8:19
